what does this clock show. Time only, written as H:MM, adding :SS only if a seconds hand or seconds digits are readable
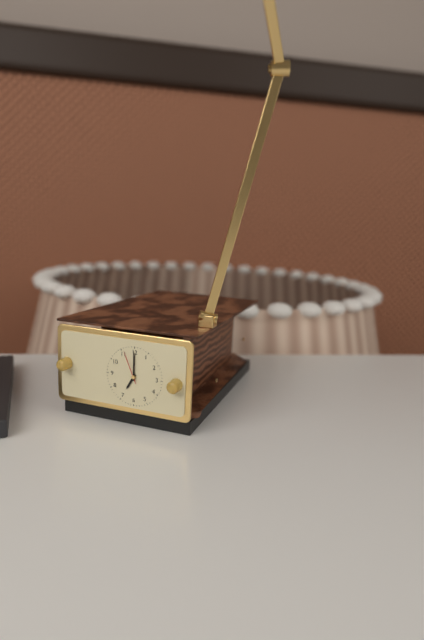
7:00
